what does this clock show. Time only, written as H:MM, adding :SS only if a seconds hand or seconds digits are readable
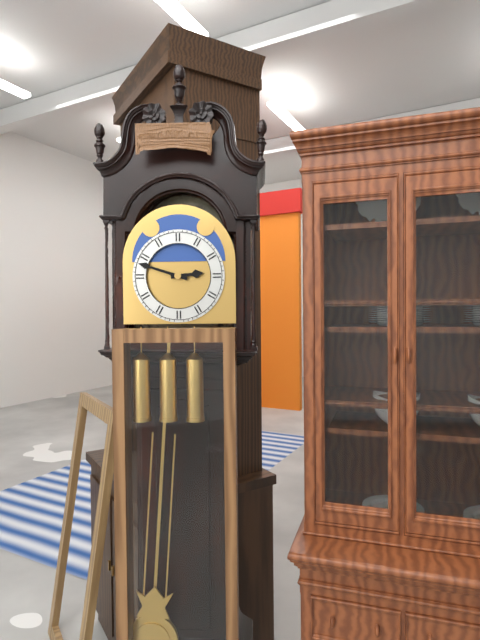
2:48
